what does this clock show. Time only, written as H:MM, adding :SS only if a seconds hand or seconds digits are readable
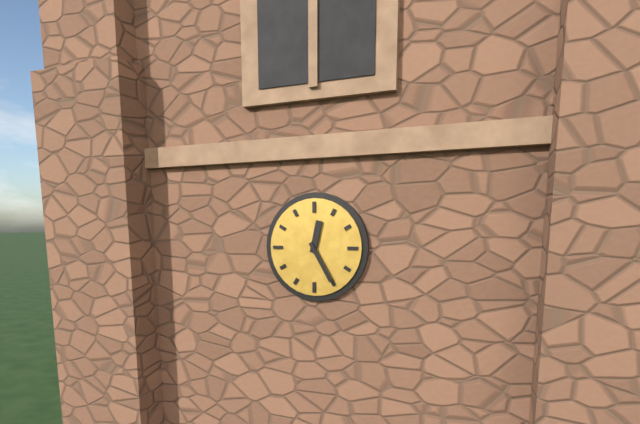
12:25
